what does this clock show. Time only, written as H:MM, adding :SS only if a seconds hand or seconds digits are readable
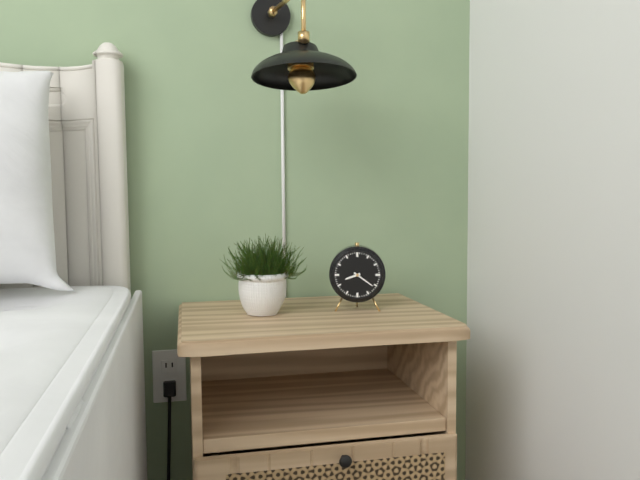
8:21
